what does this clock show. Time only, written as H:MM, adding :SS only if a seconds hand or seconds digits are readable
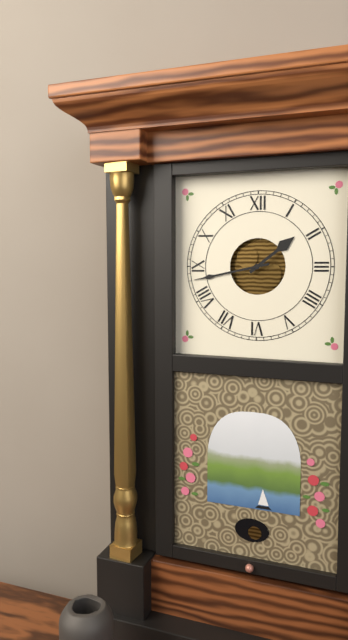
1:43
